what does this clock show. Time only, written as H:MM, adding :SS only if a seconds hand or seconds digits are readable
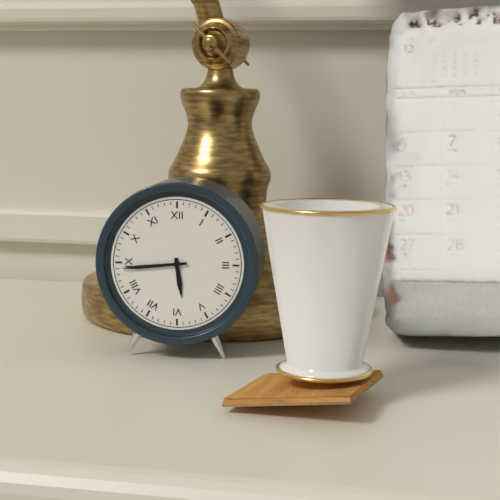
5:44
